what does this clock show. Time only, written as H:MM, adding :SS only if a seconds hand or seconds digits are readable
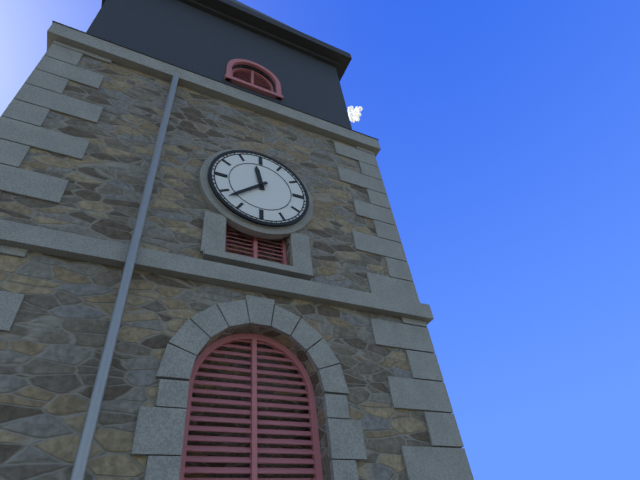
11:38
